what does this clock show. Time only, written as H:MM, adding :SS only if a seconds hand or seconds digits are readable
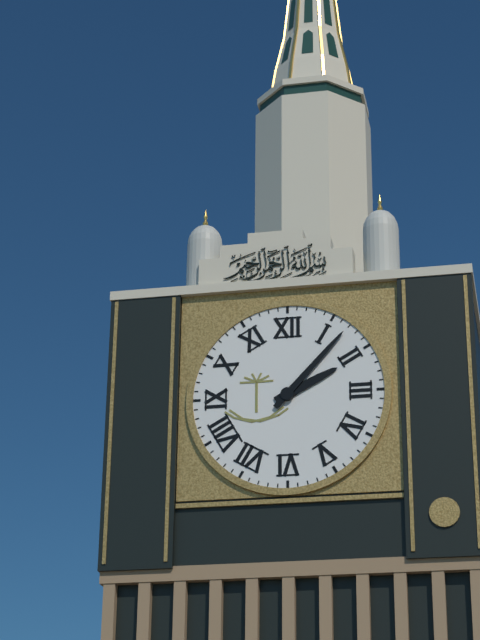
2:07
